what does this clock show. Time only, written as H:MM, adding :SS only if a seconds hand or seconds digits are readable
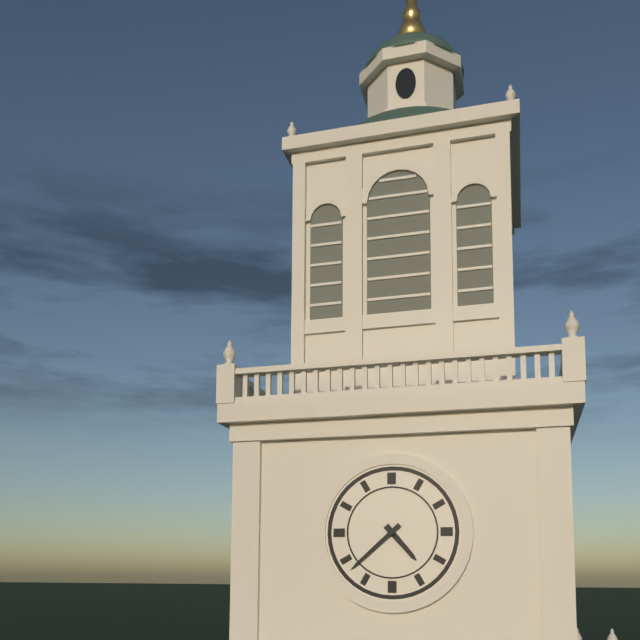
4:38
